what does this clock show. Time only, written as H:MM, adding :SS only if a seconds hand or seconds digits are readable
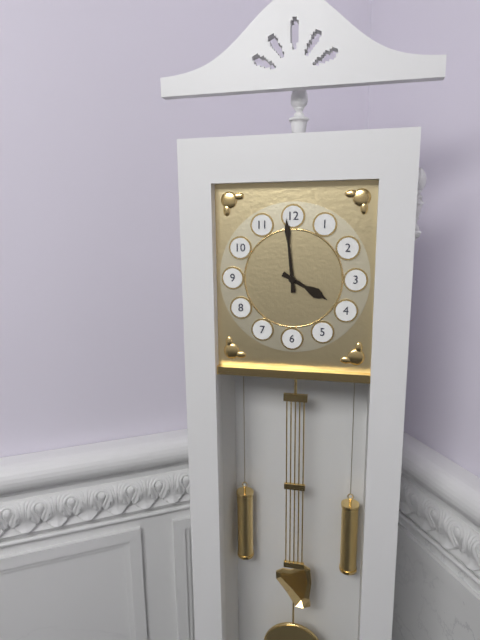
3:59
